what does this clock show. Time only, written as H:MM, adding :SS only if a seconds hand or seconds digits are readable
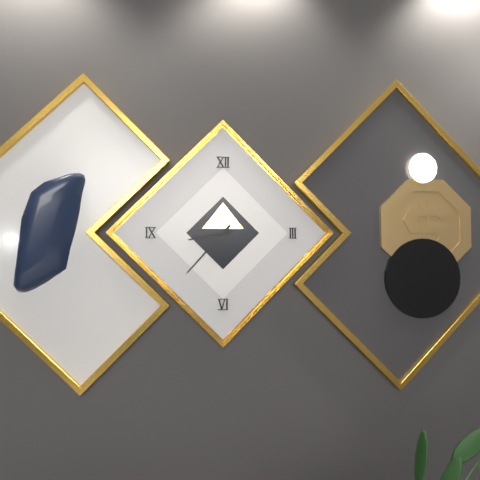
8:37
